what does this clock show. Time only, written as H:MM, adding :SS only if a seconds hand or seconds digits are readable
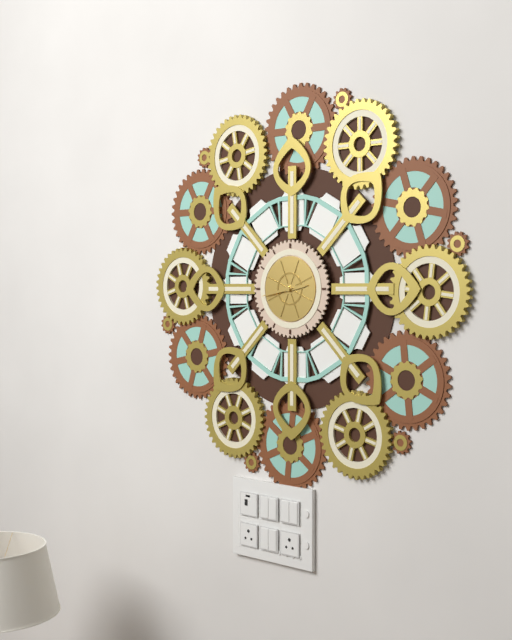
2:43
